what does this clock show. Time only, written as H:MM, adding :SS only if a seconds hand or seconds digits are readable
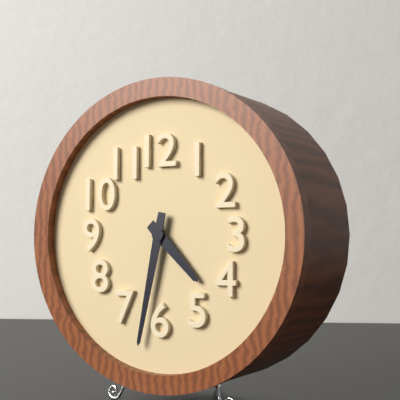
4:32
